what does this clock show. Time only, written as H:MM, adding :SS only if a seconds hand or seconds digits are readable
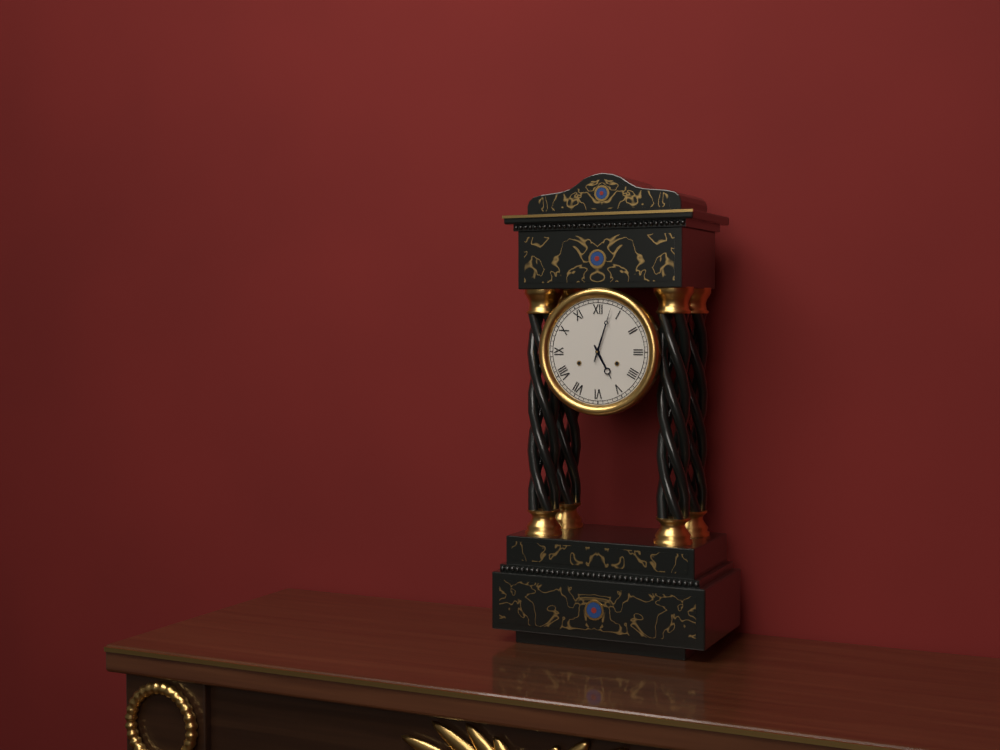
5:03
